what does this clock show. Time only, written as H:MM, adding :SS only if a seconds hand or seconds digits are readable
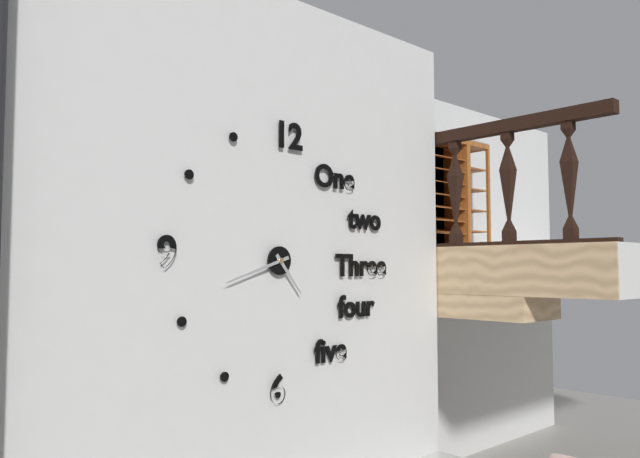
4:42
